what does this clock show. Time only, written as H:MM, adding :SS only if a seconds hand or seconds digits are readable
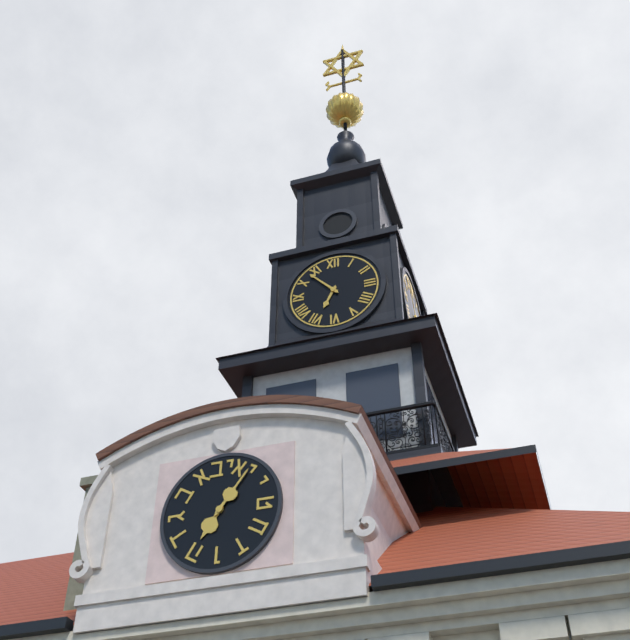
6:53
